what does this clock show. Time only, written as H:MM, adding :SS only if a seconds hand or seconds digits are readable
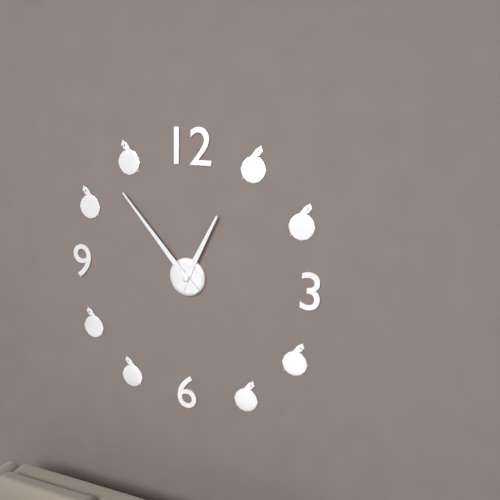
12:53
